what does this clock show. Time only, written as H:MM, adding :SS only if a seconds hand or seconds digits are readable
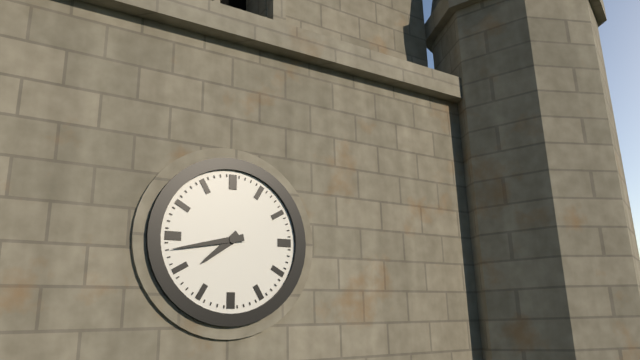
7:43
